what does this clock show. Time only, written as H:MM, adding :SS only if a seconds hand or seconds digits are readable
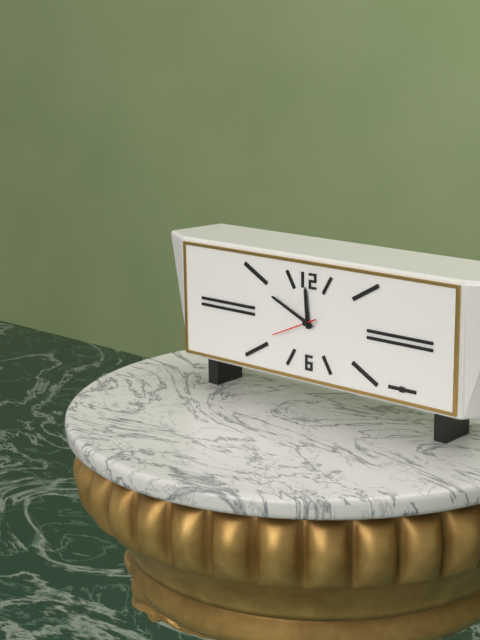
11:49:41
